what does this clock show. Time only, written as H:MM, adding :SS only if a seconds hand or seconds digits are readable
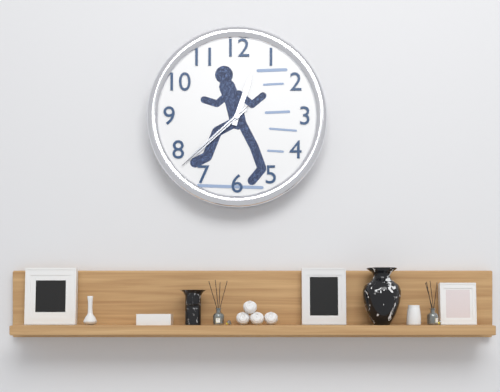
12:38:38
